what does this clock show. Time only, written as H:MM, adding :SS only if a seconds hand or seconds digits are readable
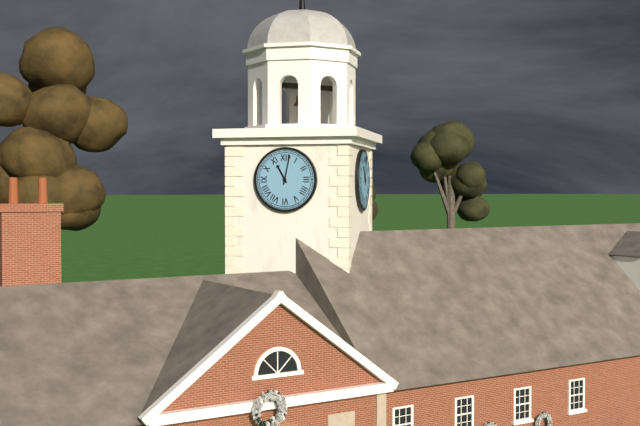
11:02
